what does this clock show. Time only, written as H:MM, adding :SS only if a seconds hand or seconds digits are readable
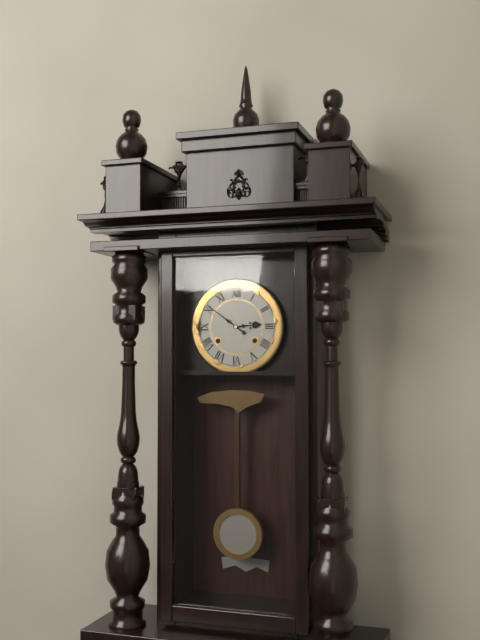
2:51
